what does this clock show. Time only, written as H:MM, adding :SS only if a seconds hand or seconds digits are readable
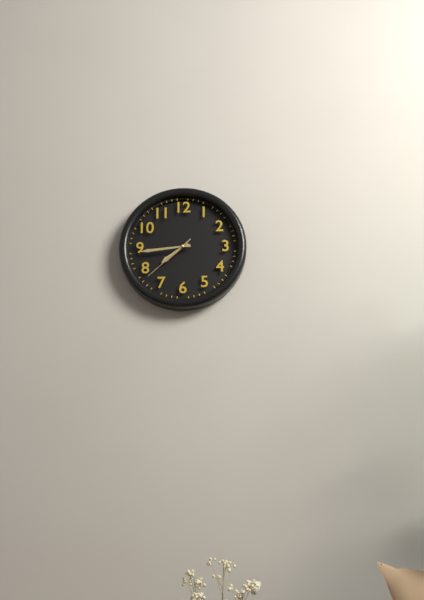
7:44:38
